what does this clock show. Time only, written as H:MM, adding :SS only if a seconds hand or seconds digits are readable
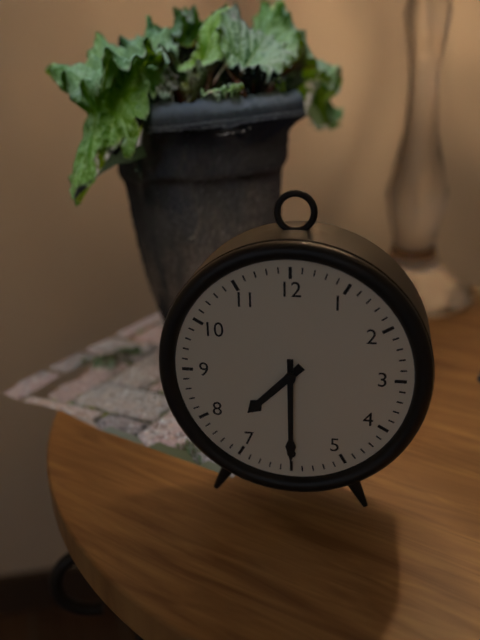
7:30
